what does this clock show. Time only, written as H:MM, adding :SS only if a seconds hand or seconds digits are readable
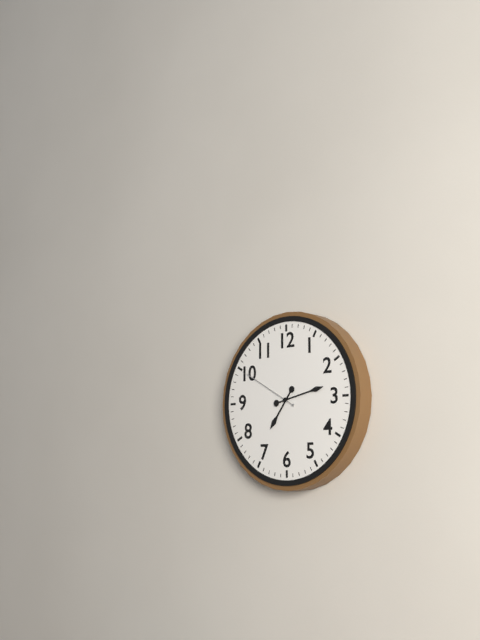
7:13:50
